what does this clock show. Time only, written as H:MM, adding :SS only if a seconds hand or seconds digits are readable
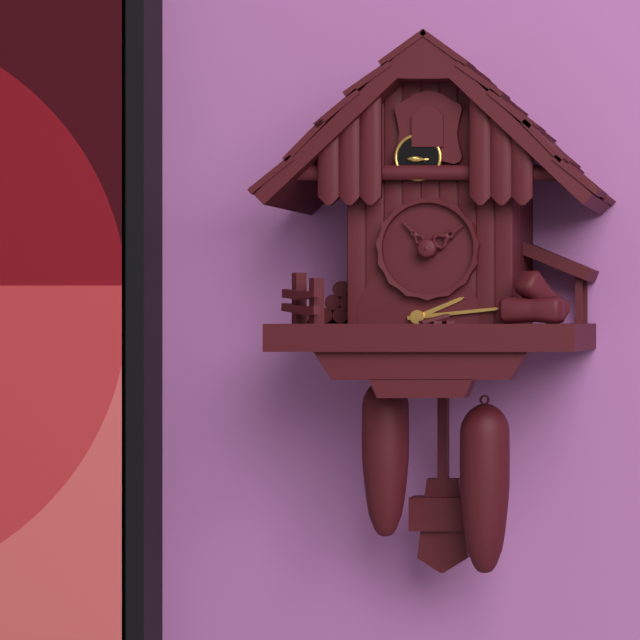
2:14
